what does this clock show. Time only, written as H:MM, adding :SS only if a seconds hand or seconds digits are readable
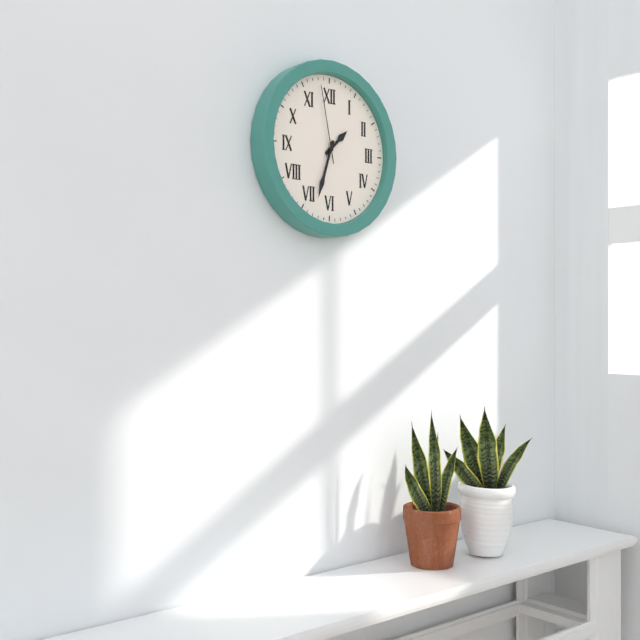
1:33:58
